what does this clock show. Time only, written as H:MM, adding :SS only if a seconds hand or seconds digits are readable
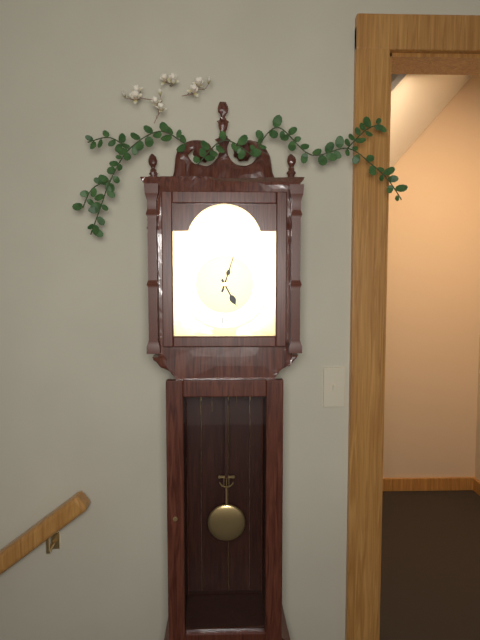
5:03
